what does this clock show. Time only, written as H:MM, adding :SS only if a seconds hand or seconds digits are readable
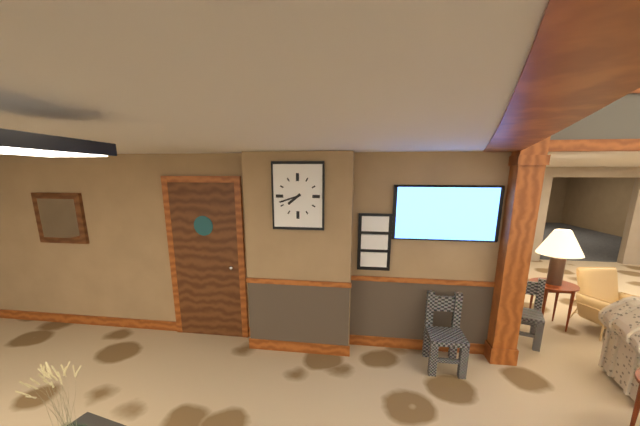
7:42
